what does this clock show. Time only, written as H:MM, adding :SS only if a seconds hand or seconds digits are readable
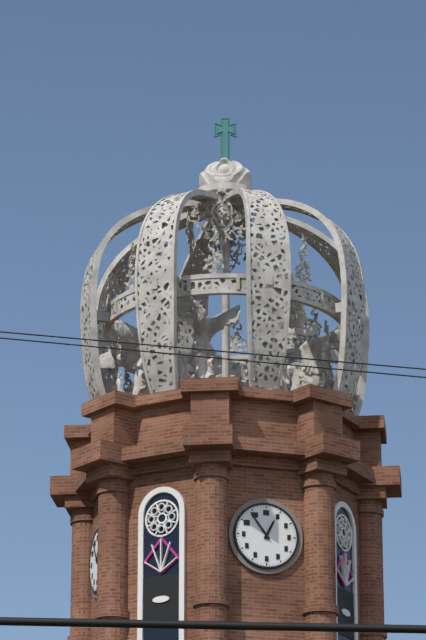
12:54
